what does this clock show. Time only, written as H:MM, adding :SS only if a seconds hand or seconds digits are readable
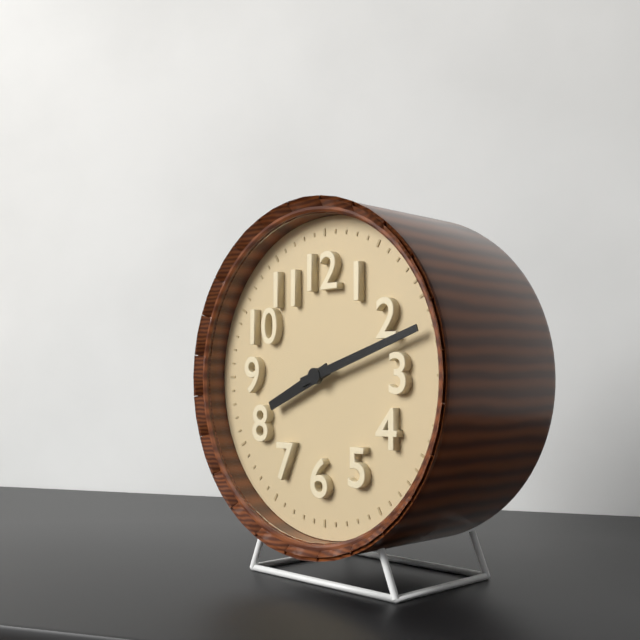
8:12
